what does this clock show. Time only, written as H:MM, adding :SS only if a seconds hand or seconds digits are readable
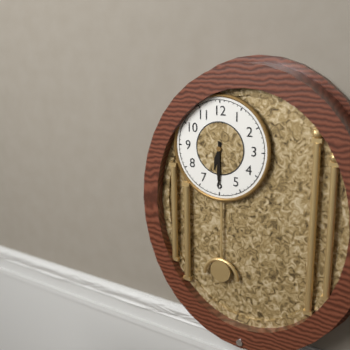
6:30
